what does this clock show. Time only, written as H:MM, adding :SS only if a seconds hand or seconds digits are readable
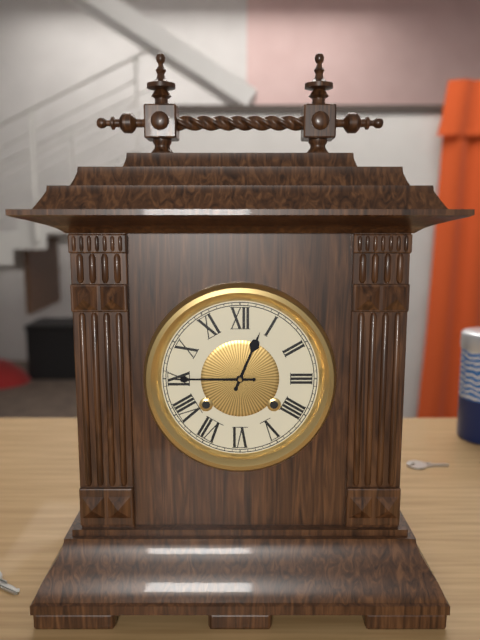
12:45
